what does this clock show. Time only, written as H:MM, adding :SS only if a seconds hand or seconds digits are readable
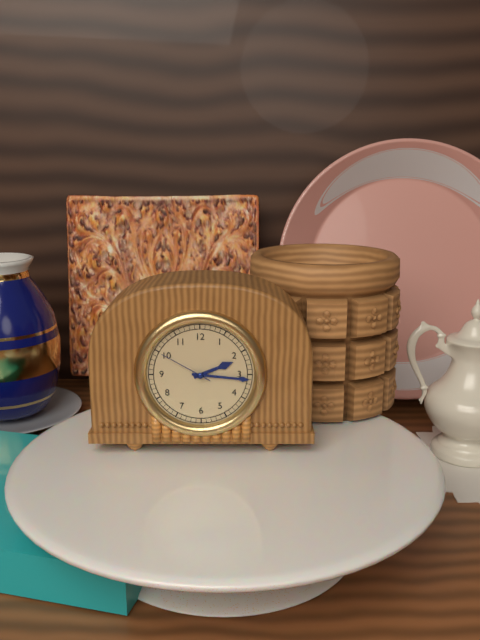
2:16:50
